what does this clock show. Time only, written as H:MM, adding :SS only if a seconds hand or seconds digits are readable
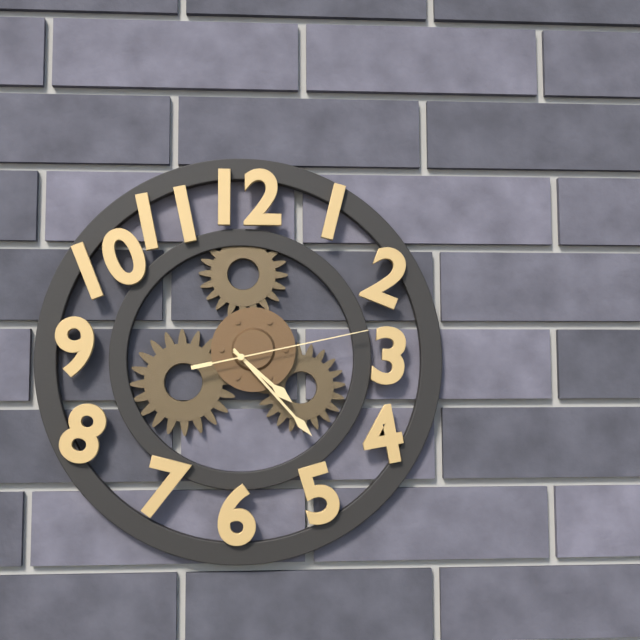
4:23:13
